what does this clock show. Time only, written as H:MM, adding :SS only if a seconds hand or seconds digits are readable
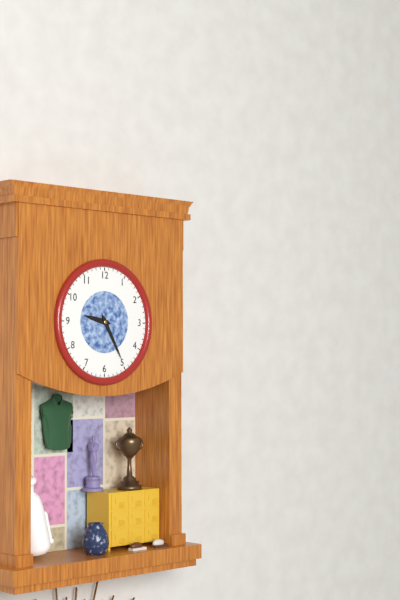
9:25
